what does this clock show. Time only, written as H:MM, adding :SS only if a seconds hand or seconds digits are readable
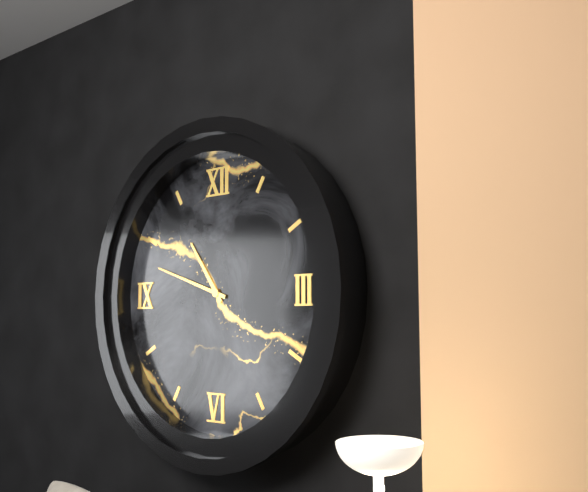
10:48
